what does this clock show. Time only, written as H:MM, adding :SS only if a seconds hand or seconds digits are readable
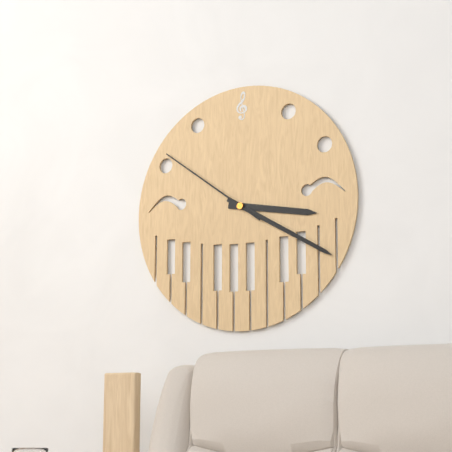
3:20:51
